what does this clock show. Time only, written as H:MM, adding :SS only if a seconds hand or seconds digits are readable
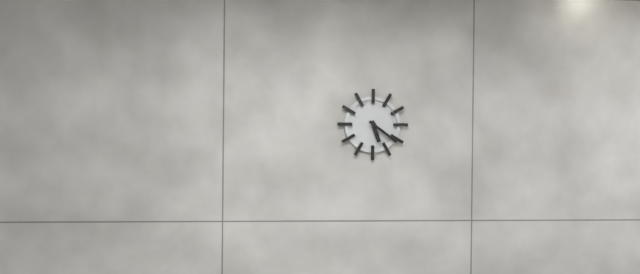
5:21
